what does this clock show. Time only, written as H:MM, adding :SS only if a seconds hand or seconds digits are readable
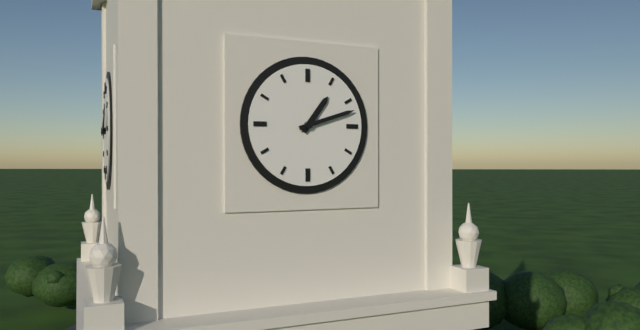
1:12
